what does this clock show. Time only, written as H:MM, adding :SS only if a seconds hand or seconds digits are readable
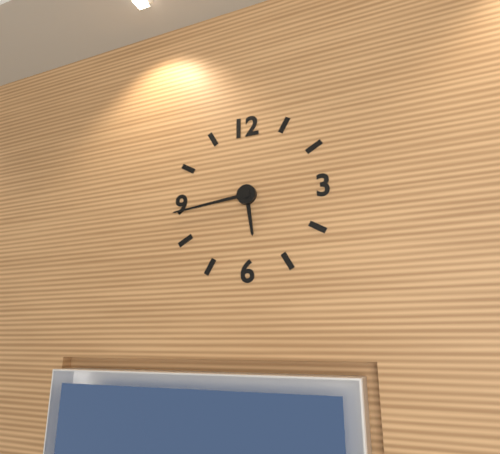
5:44
